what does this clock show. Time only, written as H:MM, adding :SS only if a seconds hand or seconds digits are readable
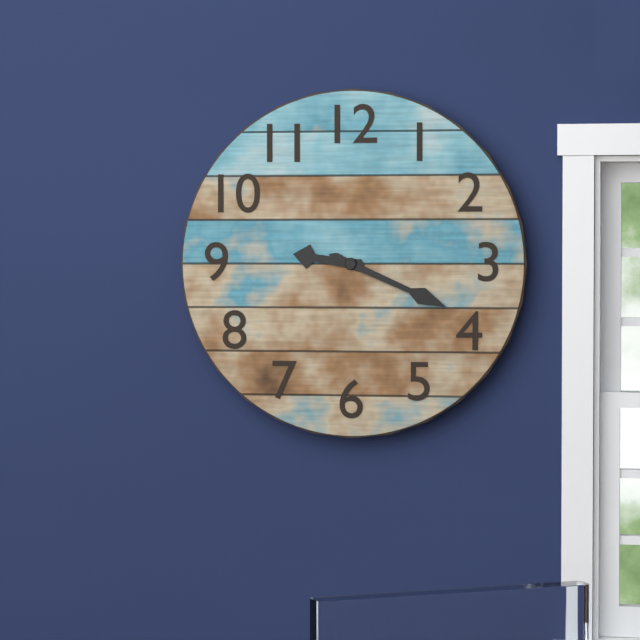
9:19
